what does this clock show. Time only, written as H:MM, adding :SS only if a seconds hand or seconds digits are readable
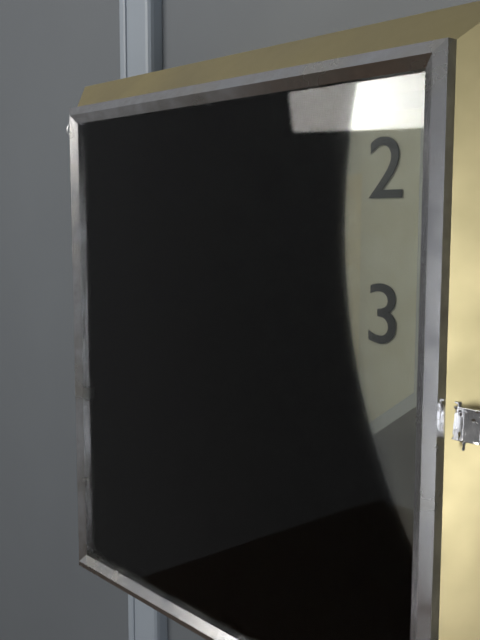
3:17
